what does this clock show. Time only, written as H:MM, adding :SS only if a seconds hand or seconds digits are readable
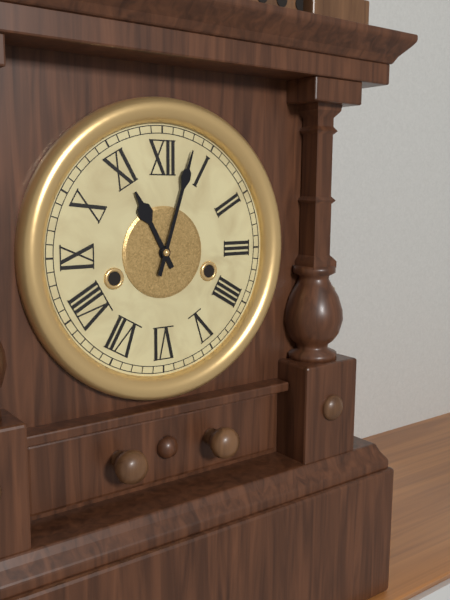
11:03
